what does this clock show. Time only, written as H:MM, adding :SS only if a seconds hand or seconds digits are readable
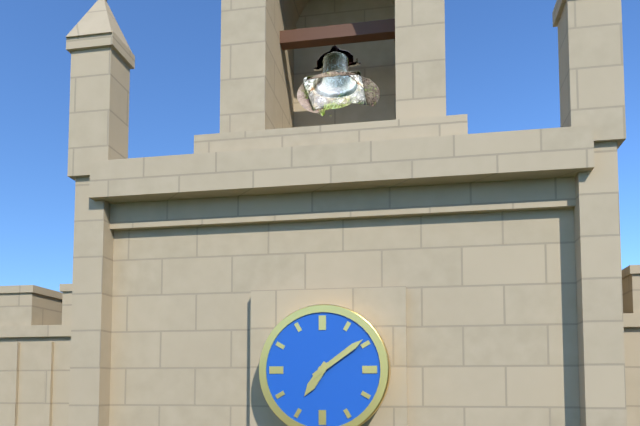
7:09
